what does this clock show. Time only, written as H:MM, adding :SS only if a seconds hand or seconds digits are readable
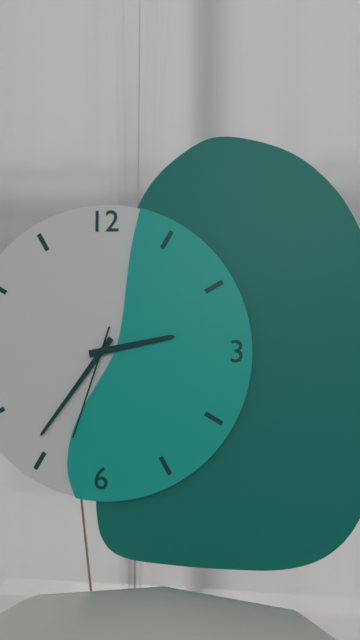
2:36:33
